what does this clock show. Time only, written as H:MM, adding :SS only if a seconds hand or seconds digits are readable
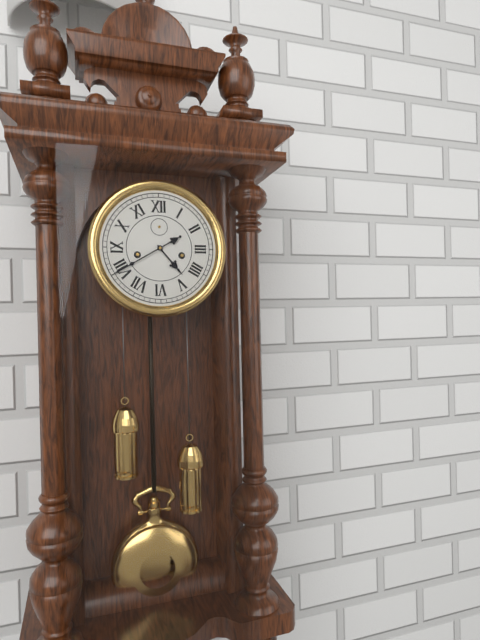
4:40
